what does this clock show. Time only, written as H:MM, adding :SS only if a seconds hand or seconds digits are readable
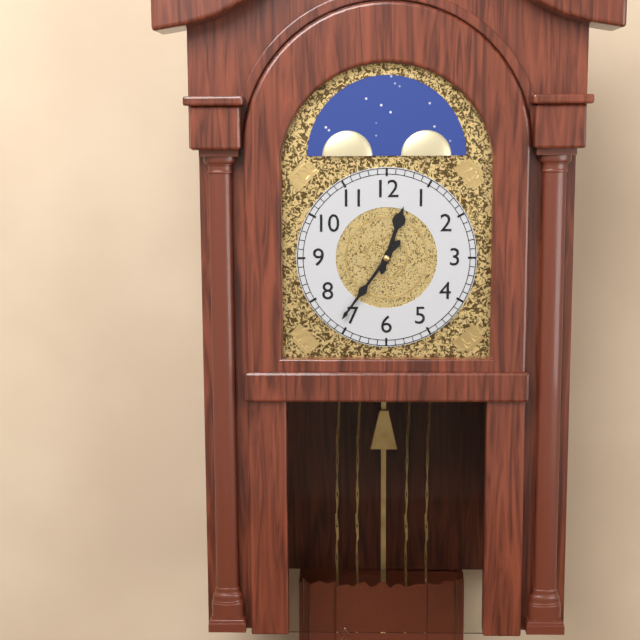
12:36
